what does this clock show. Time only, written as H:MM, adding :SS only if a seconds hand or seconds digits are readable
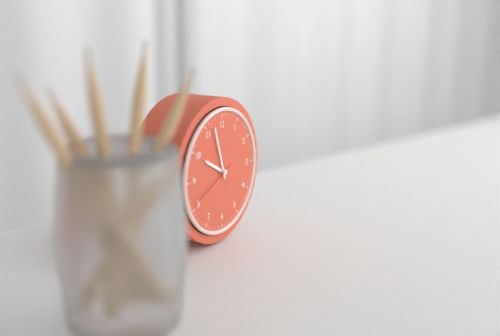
9:57:41
